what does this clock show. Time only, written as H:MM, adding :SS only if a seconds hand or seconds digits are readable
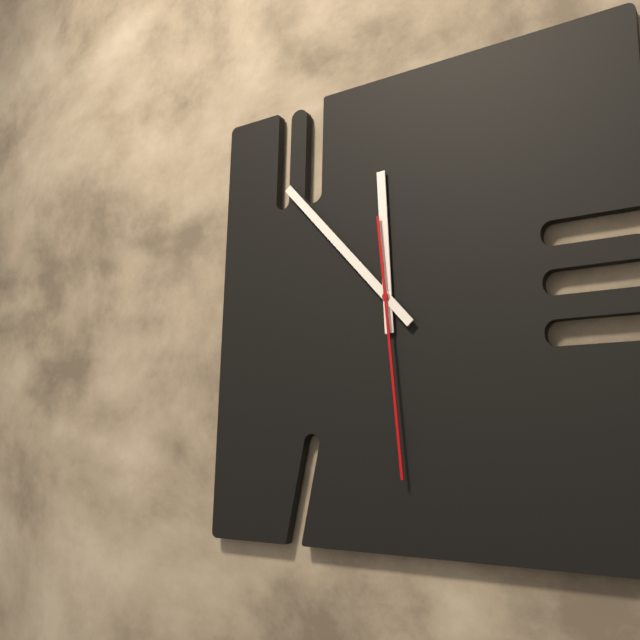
11:53:29
